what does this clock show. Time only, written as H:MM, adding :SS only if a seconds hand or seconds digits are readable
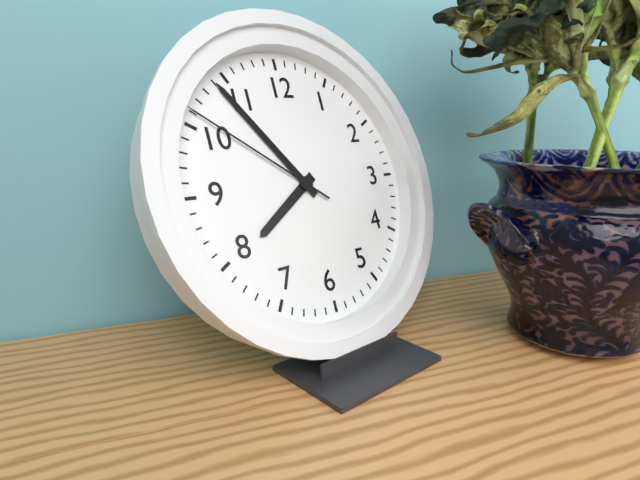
7:54:51
